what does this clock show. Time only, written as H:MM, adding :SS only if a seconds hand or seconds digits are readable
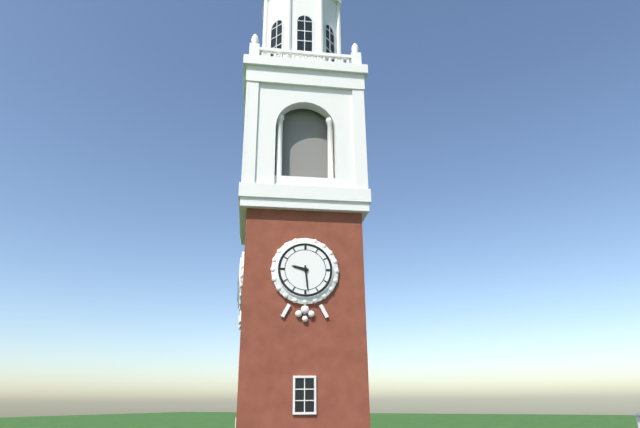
9:29
